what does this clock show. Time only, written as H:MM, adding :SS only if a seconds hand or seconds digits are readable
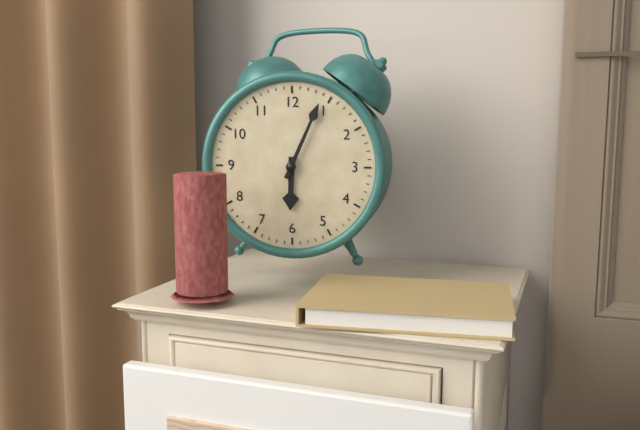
6:04
